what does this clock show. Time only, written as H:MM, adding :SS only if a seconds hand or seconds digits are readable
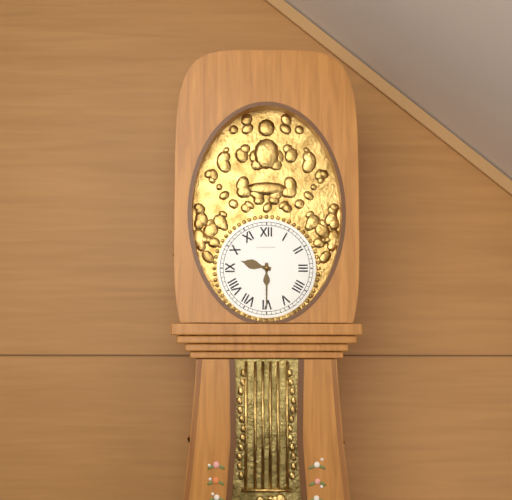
9:30
